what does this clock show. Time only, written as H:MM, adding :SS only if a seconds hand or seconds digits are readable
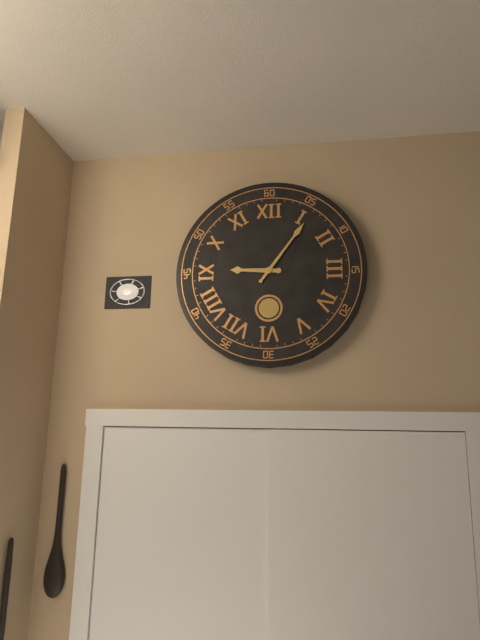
9:06
